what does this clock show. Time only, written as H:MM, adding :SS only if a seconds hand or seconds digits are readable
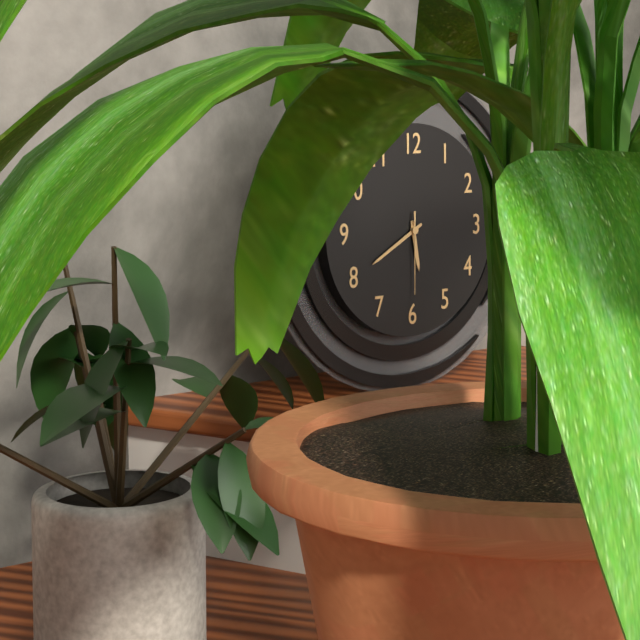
5:40:30
